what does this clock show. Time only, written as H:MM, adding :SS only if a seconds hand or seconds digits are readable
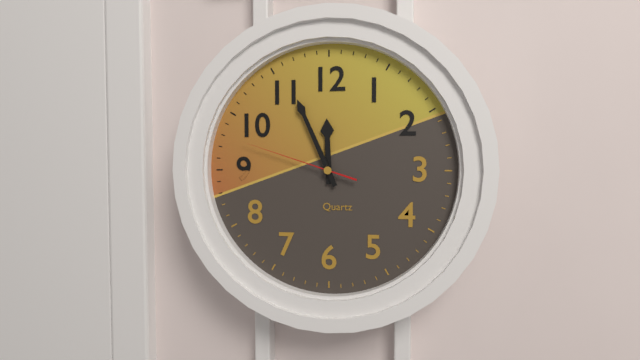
11:56:48
